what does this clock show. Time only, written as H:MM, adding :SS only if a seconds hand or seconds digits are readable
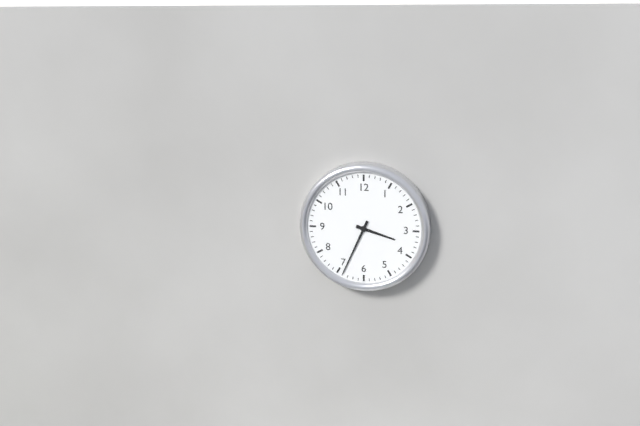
3:34
